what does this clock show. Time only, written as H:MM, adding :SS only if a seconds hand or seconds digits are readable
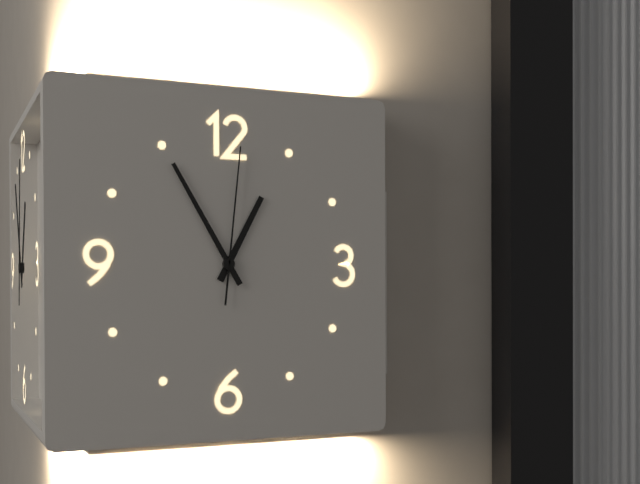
12:55:01
